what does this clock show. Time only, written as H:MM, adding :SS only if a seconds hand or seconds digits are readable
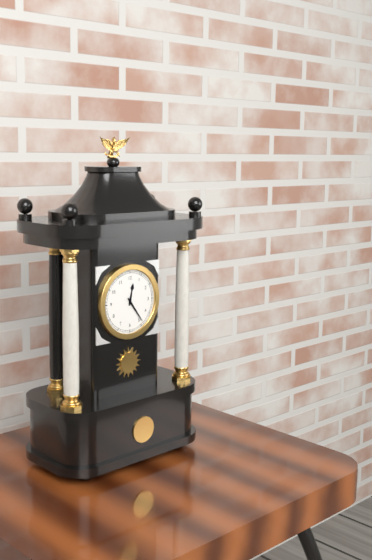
12:24
